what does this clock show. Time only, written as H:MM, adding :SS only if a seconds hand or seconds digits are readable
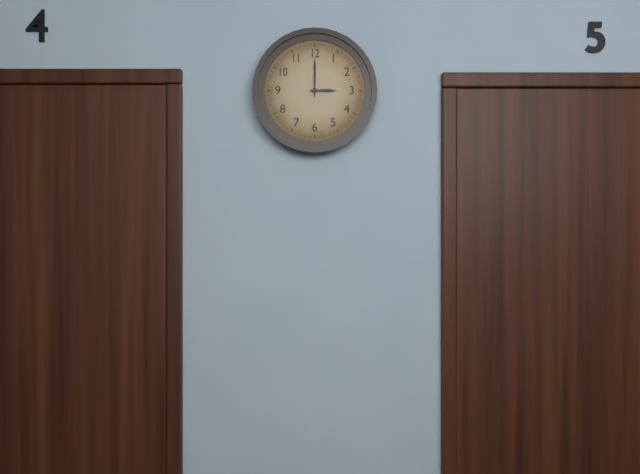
3:00
